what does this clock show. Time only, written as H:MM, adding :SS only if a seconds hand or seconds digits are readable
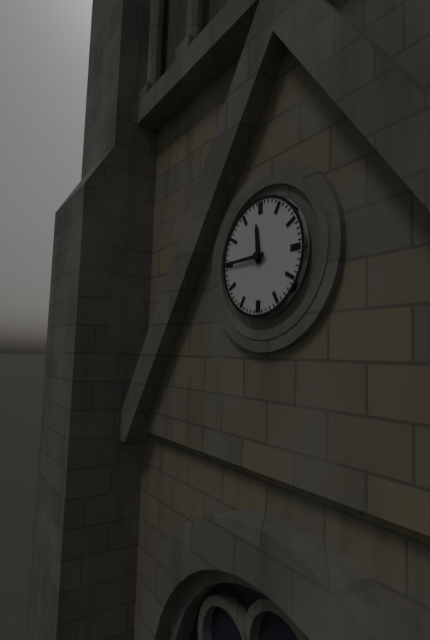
11:45
